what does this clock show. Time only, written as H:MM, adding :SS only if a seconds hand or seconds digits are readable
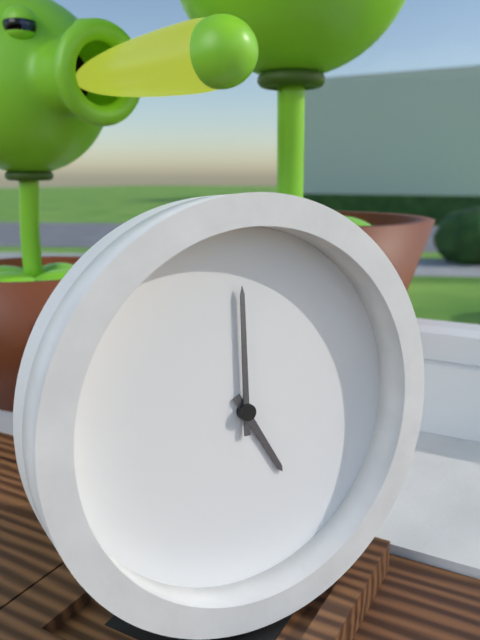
5:00
